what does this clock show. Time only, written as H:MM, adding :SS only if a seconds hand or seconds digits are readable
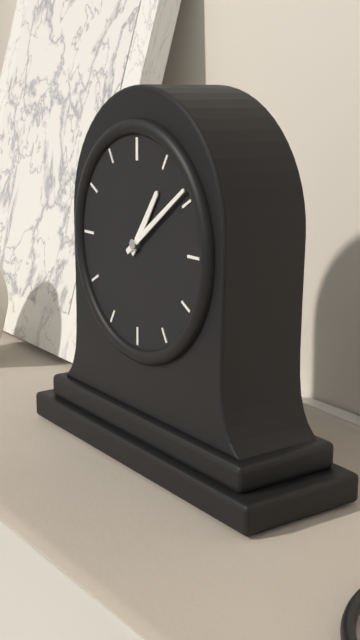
1:09
